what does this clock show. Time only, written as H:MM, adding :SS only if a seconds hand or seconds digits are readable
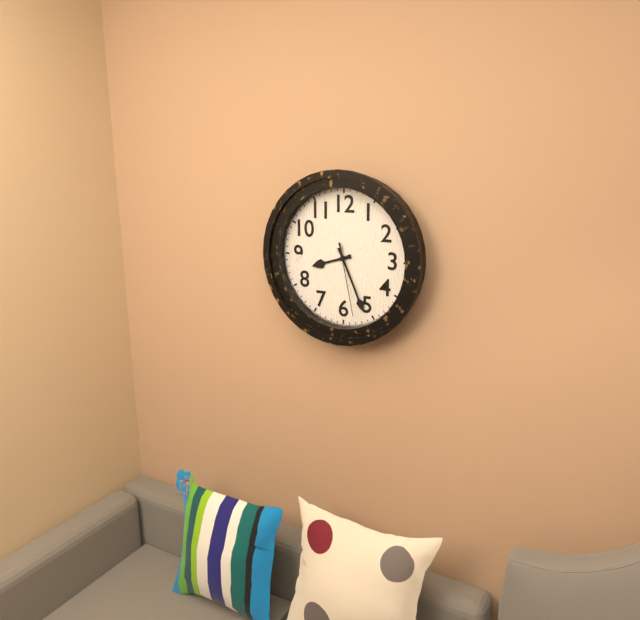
8:26:28
